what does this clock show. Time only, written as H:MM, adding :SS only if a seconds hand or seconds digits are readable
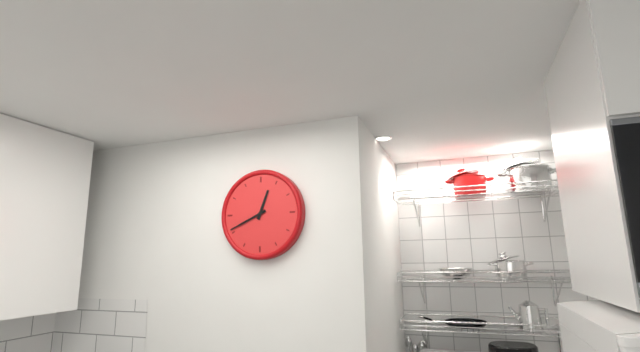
12:41
